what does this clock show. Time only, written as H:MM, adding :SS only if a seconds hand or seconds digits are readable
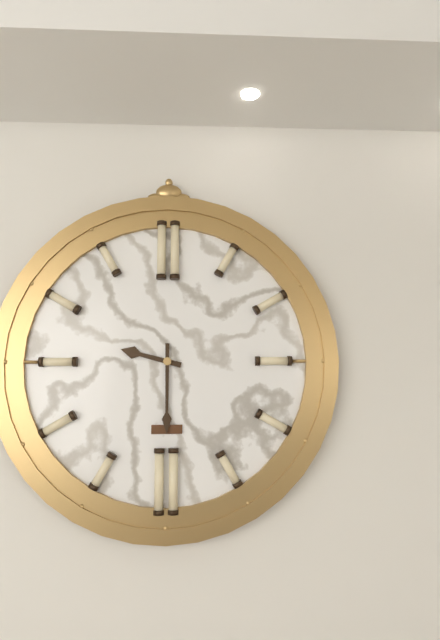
9:30
